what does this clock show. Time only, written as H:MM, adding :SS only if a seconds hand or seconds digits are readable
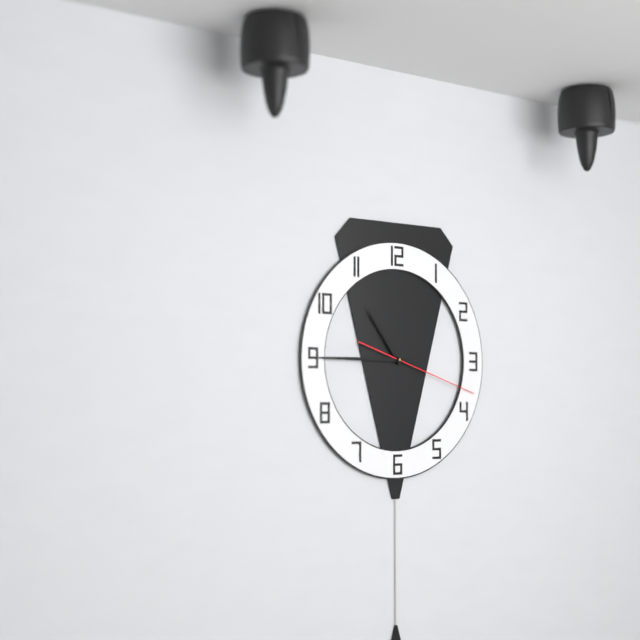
10:45:18
